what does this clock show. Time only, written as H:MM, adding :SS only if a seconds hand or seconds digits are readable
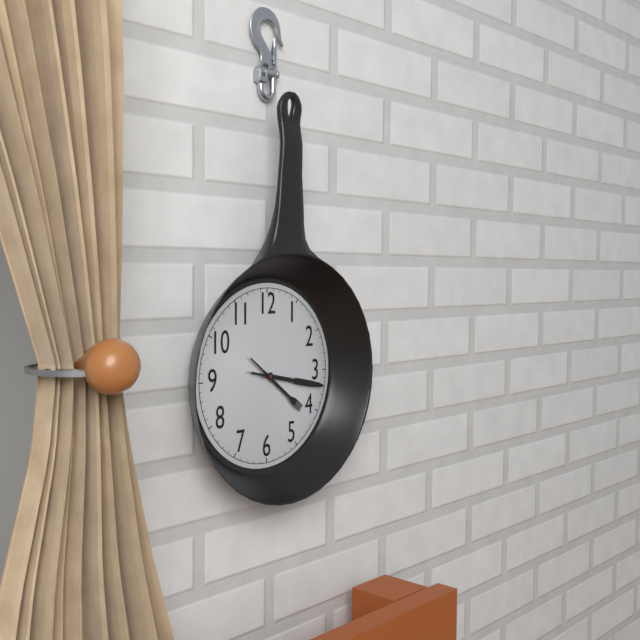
4:17
